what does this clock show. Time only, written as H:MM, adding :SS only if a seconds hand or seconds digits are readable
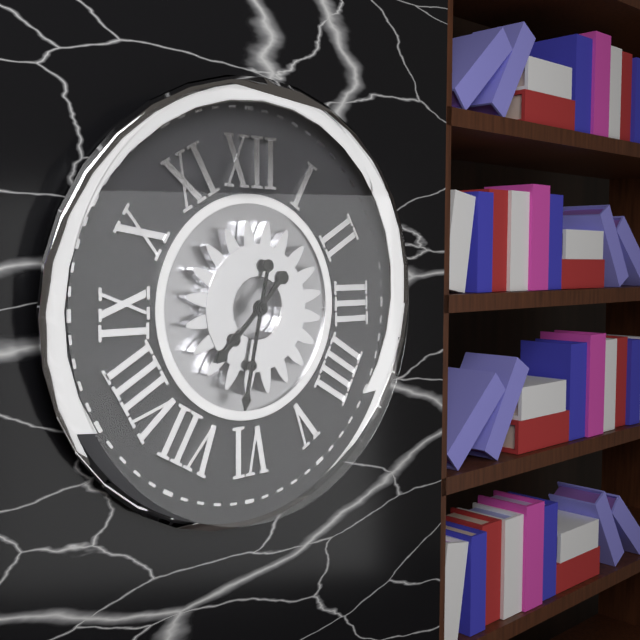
7:32
